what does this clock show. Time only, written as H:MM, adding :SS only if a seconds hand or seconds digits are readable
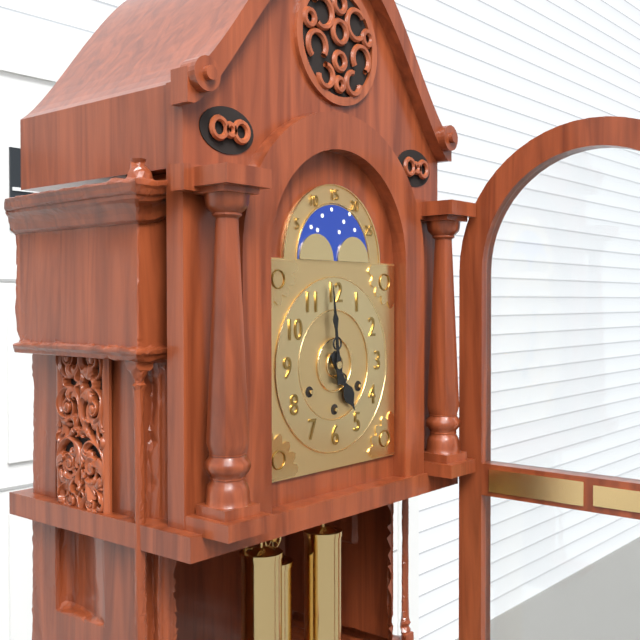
4:59
